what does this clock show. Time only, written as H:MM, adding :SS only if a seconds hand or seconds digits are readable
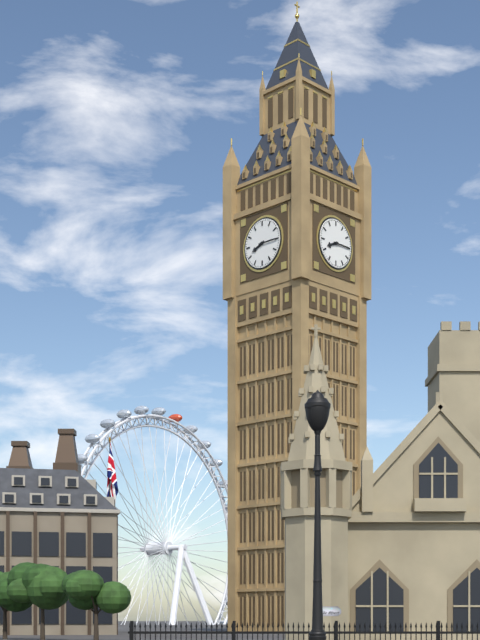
8:15
